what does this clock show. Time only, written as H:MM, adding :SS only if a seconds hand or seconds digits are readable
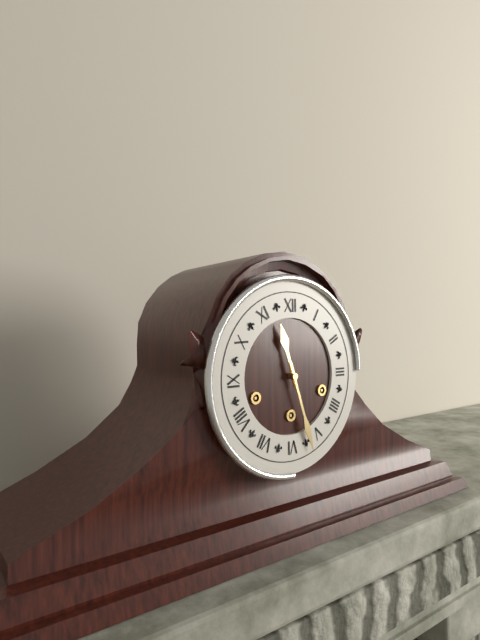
11:27
